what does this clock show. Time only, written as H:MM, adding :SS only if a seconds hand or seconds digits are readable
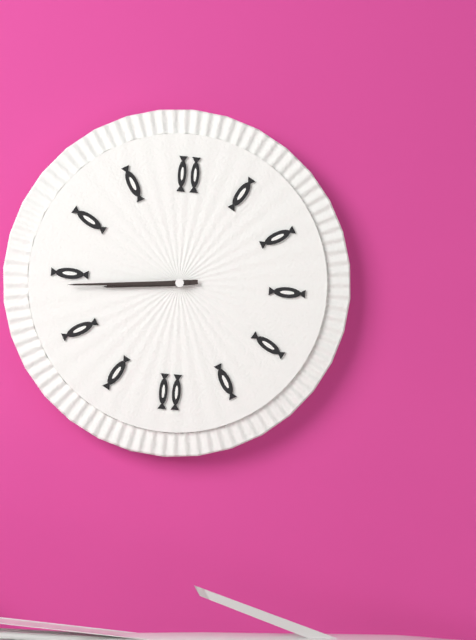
8:44
